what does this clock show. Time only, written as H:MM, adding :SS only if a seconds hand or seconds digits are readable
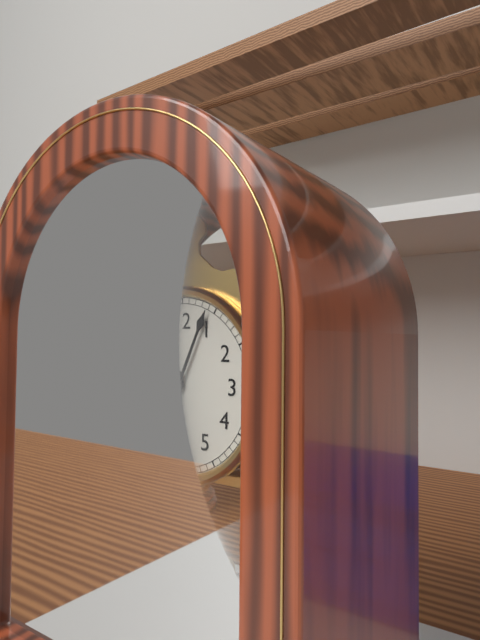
6:04
